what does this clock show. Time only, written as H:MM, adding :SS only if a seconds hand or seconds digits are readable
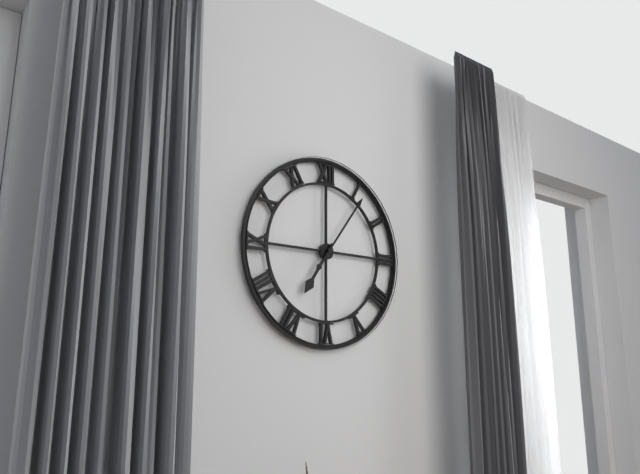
7:06
